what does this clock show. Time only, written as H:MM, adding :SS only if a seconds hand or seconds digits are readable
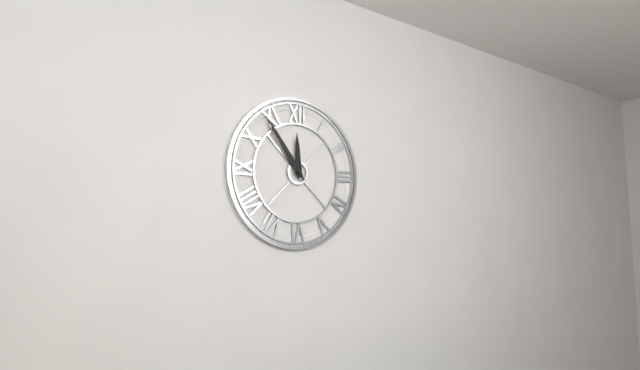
11:54
